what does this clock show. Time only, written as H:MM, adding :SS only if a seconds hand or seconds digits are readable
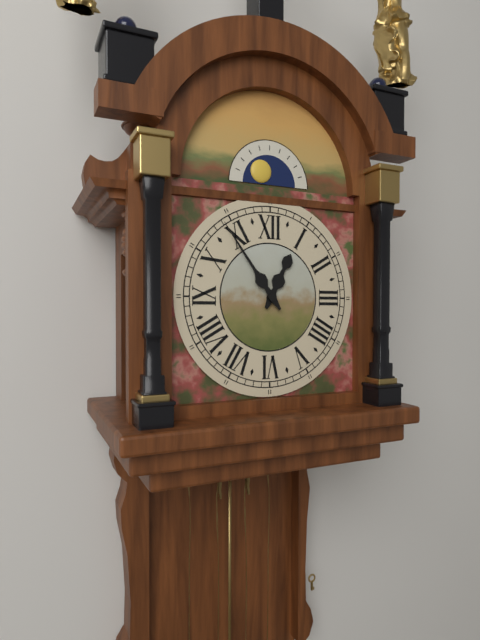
12:54
